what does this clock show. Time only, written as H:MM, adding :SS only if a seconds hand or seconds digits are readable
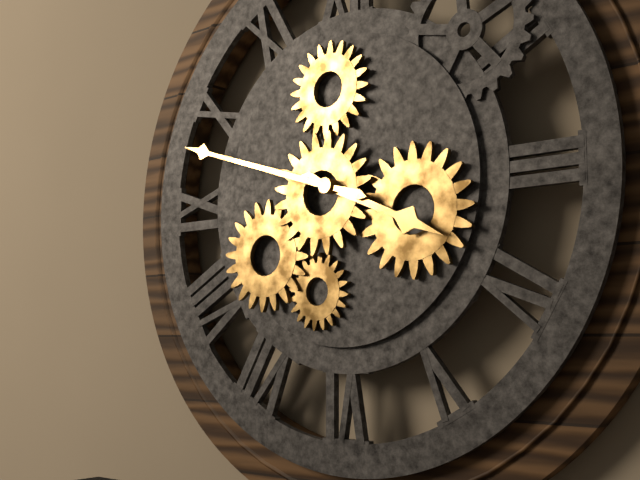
3:48
